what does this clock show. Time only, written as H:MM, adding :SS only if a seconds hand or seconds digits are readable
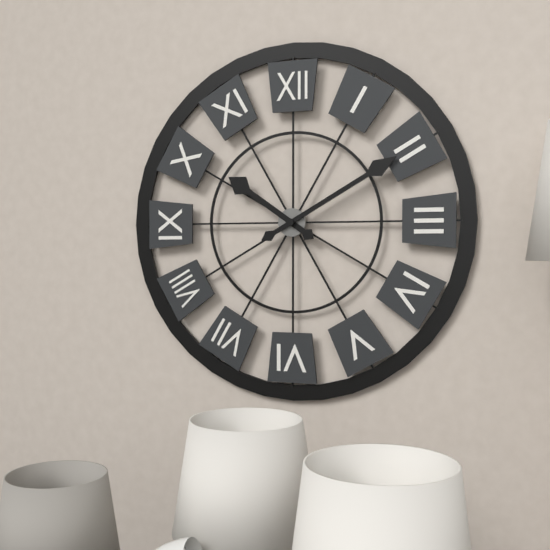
10:10
